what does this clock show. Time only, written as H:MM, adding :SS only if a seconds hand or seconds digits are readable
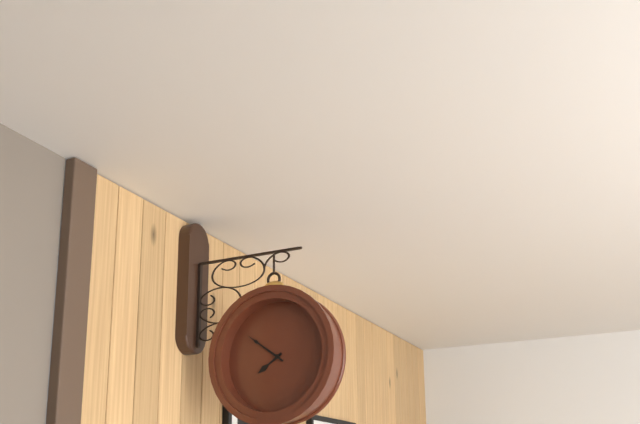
7:51
